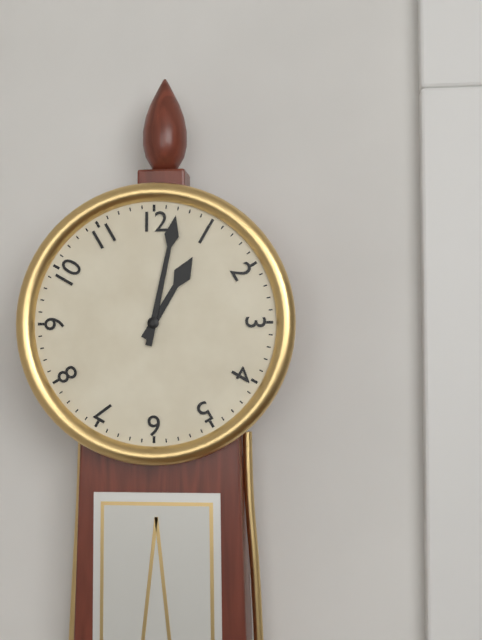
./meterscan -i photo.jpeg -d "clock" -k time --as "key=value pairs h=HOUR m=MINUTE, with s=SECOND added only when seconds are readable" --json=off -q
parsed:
h=1 m=2
